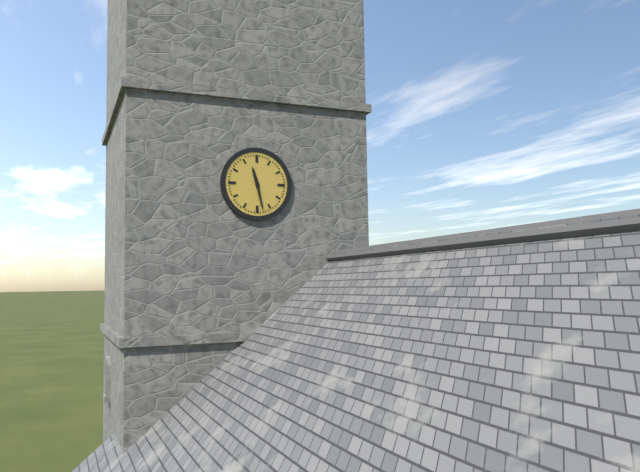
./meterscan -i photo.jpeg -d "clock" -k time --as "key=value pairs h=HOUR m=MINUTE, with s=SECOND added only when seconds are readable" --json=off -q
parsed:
h=11 m=28
